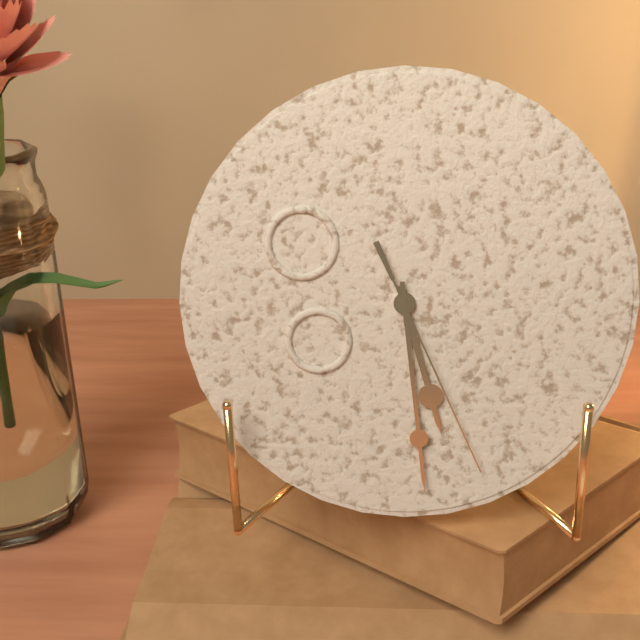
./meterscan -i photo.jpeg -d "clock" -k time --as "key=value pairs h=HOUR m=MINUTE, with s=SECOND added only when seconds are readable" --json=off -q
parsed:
h=5 m=29 s=26
